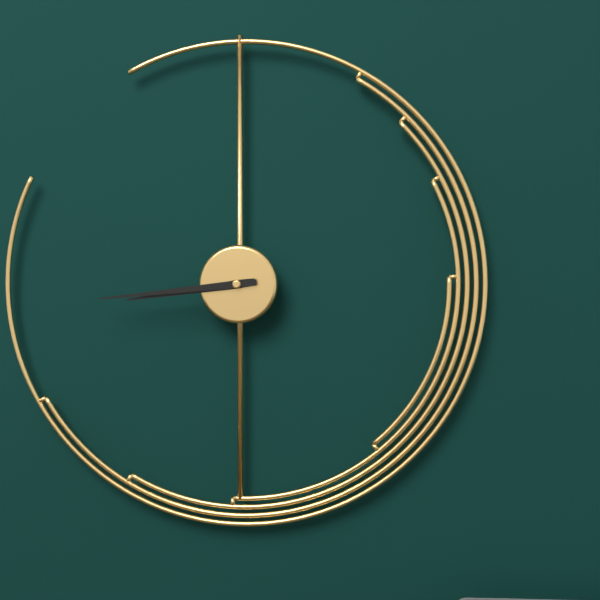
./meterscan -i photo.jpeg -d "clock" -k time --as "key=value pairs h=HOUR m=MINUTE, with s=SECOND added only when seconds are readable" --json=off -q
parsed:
h=8 m=44
